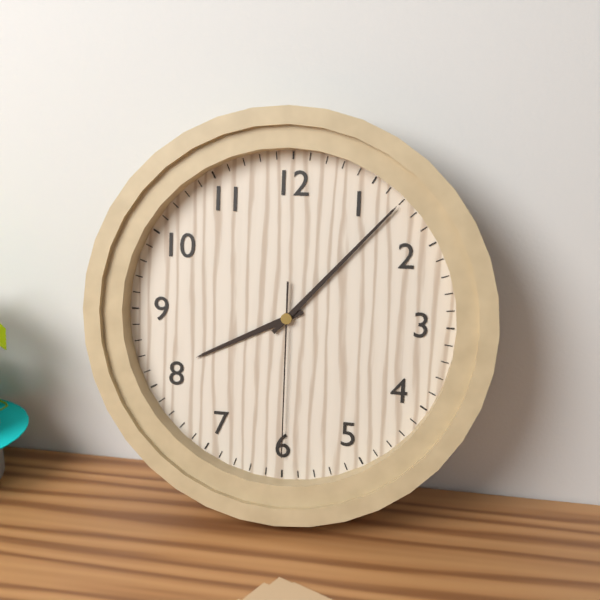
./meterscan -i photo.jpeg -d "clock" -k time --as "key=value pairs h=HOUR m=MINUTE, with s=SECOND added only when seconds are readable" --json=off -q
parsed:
h=8 m=7 s=30
